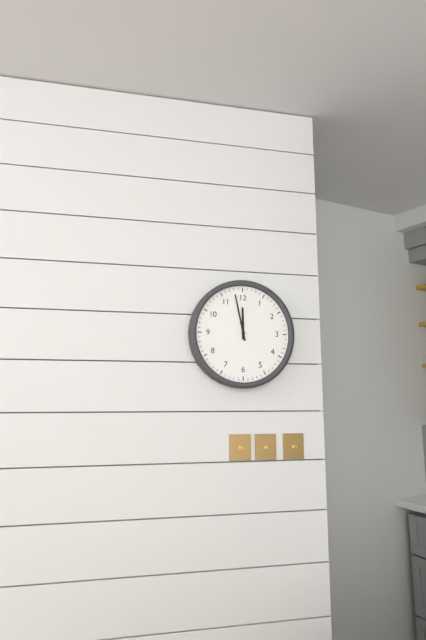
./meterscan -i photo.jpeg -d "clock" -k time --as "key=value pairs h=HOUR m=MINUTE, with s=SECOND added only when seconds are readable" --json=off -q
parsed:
h=11 m=58
